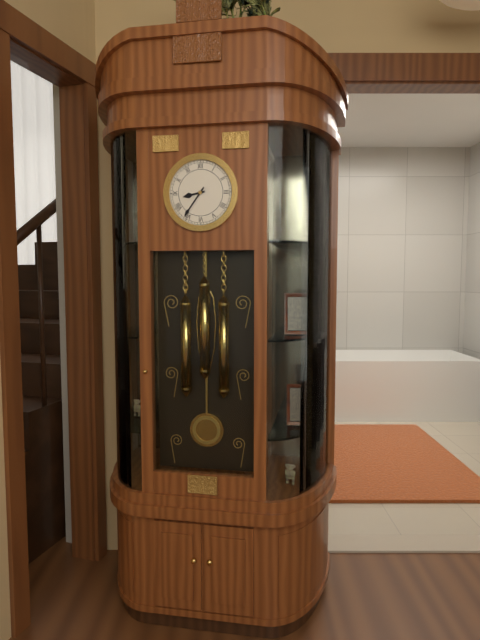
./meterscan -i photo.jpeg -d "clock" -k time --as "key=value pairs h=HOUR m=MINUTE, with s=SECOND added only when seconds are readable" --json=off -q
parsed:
h=8 m=36
